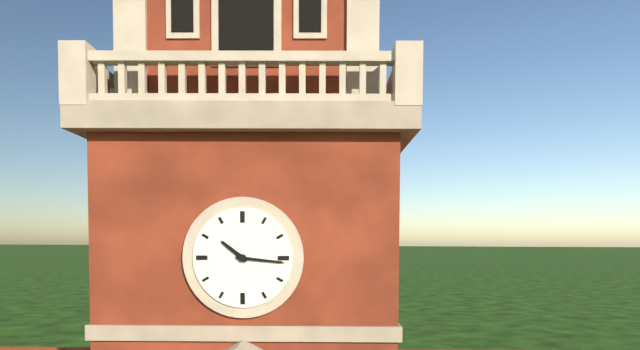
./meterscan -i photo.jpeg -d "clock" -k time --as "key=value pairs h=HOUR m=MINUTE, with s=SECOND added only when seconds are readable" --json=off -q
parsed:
h=10 m=16
